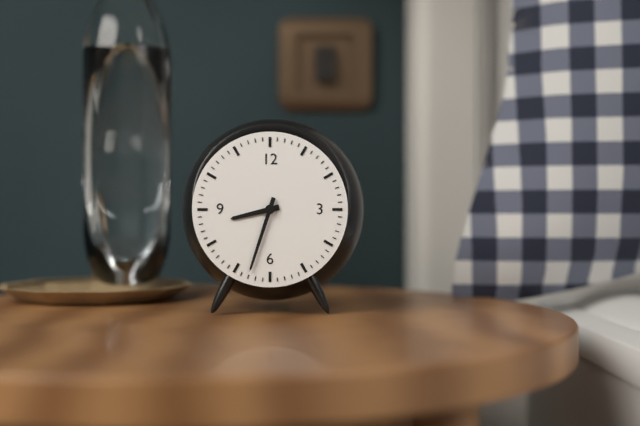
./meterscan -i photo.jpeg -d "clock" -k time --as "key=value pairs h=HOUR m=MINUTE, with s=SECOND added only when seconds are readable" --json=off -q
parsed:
h=8 m=33
